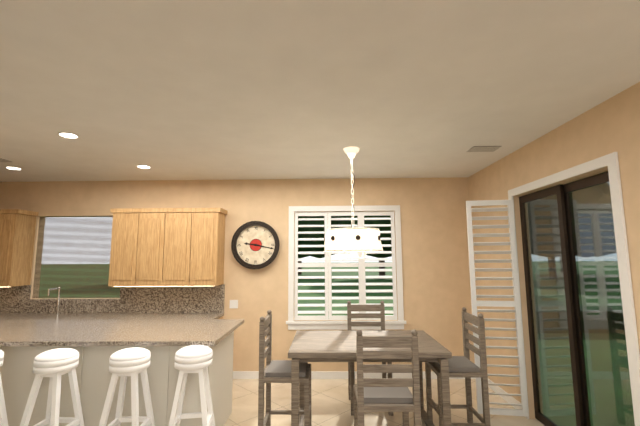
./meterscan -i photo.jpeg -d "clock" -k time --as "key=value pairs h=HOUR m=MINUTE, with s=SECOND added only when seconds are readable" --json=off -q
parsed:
h=9 m=17
